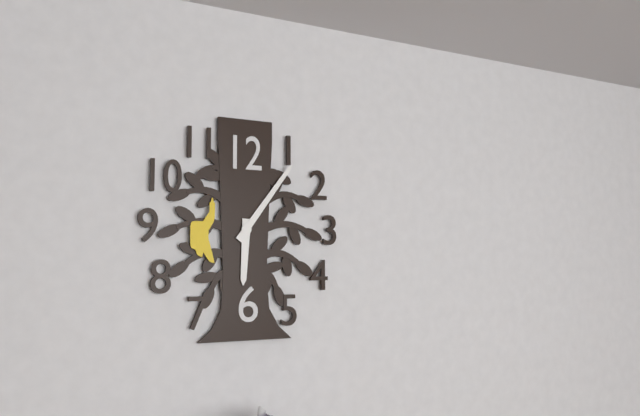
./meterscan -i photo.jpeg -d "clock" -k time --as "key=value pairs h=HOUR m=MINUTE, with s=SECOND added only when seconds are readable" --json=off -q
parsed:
h=6 m=6
